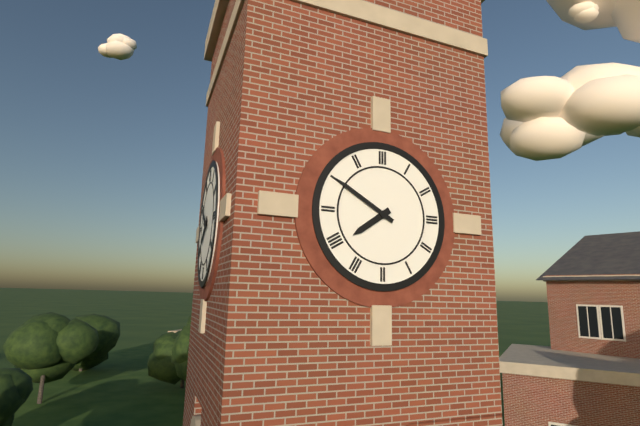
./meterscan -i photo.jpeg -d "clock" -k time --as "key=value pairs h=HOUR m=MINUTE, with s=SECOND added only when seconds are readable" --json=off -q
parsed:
h=7 m=50
